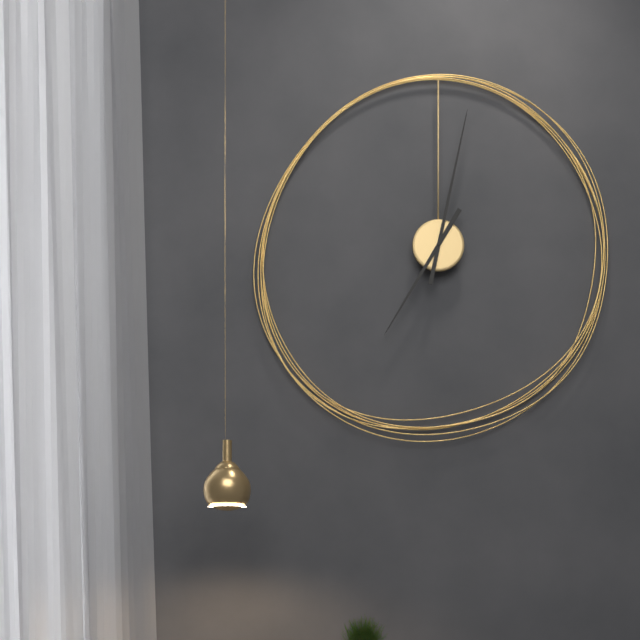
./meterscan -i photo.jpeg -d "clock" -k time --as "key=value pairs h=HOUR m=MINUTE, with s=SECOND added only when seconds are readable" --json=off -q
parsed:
h=7 m=2
